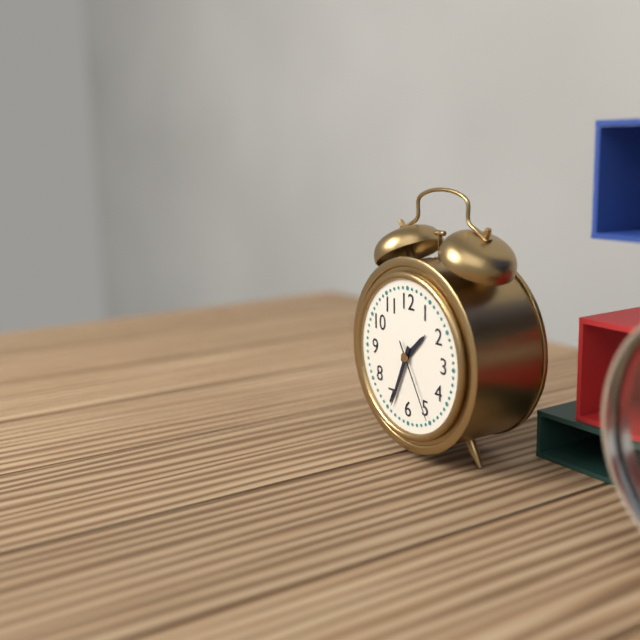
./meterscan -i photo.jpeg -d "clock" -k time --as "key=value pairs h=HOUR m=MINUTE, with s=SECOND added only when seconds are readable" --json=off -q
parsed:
h=1 m=34 s=25
